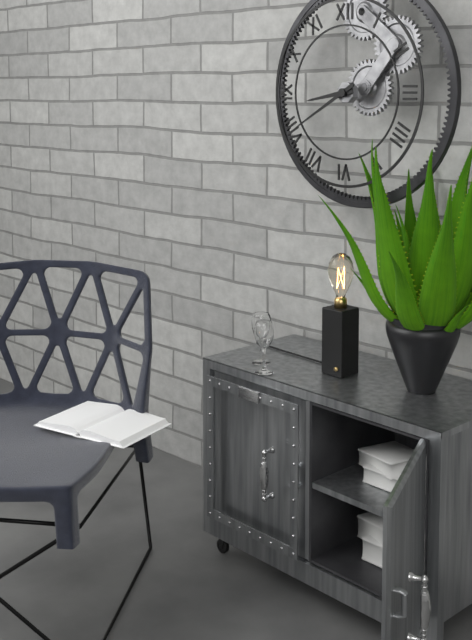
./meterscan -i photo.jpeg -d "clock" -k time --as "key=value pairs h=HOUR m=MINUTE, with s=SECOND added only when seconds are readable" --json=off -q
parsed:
h=8 m=40
